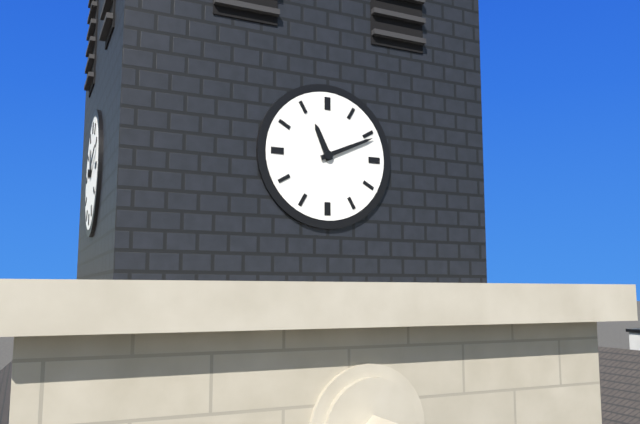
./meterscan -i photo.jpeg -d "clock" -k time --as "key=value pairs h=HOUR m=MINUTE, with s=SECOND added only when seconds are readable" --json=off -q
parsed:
h=11 m=11
